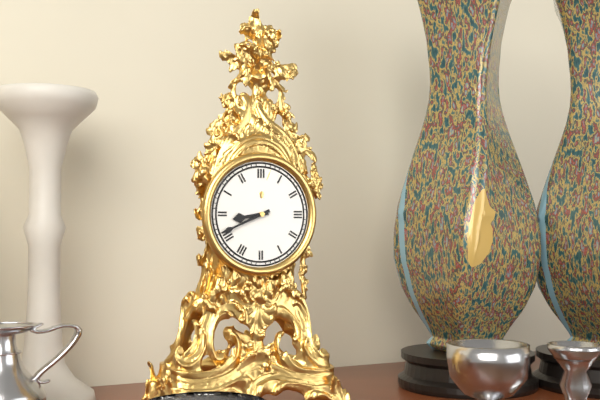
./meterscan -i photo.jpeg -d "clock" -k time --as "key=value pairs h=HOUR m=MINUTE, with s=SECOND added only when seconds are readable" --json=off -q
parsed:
h=8 m=41
